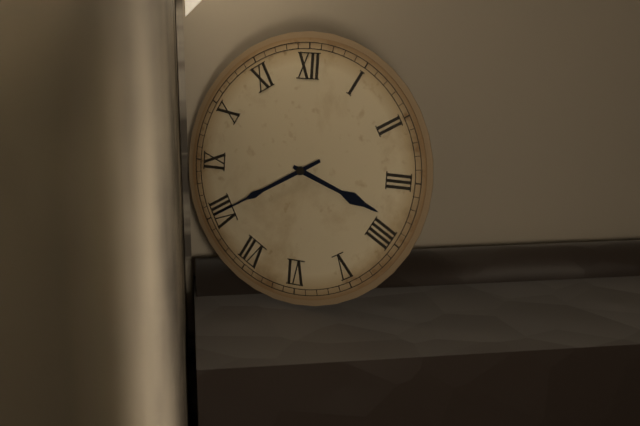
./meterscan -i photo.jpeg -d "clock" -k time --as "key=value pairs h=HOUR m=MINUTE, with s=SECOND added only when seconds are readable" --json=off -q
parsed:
h=3 m=40
